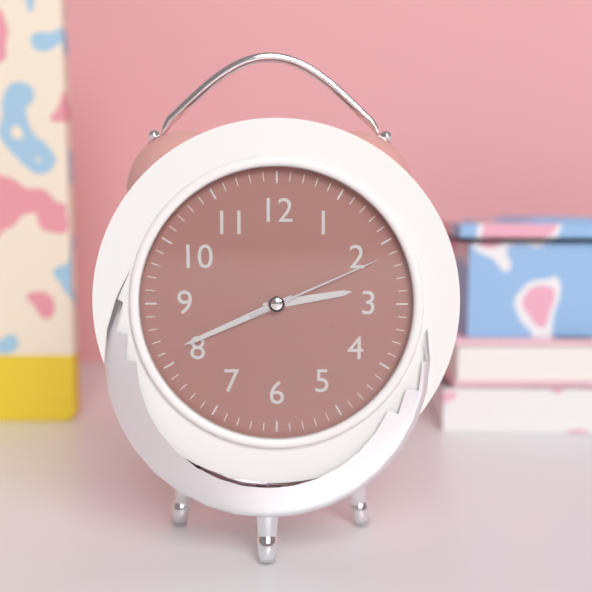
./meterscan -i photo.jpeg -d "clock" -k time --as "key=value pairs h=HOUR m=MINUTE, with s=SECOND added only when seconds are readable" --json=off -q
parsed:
h=2 m=41 s=11
